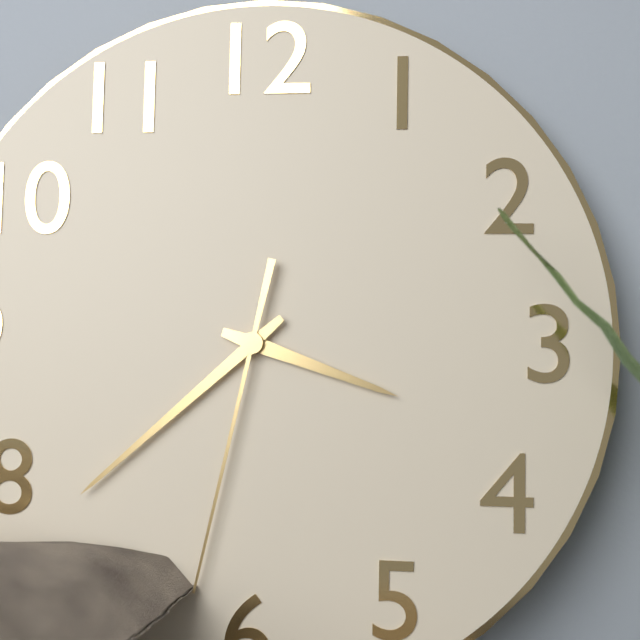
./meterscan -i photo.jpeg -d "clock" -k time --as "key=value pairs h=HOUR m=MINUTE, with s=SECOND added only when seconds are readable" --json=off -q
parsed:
h=3 m=38 s=32
